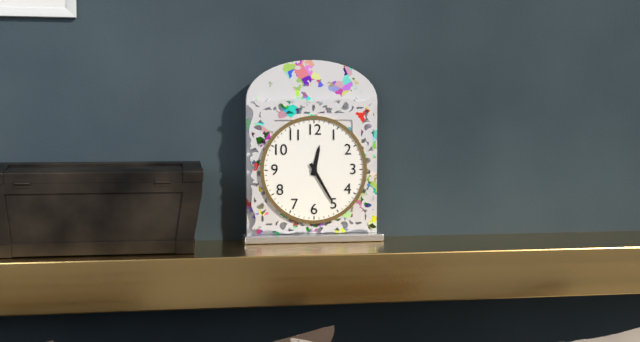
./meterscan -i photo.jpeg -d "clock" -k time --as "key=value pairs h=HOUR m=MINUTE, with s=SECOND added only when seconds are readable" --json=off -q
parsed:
h=12 m=25
